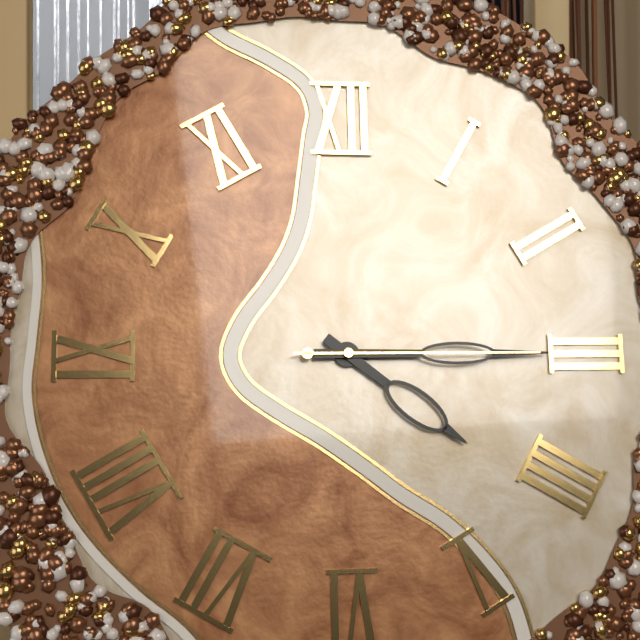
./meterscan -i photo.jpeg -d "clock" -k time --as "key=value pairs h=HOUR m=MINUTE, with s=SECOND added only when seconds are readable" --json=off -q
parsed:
h=4 m=15 s=15
